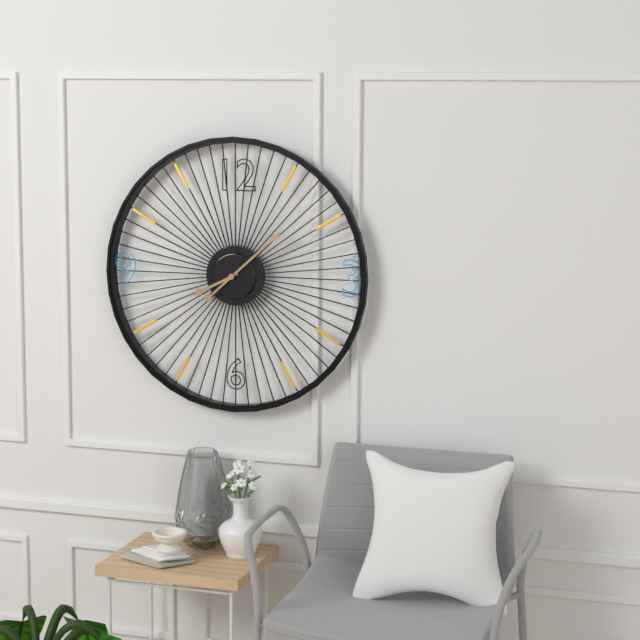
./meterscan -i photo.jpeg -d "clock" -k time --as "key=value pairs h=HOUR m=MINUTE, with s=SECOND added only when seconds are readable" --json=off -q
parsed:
h=8 m=8
